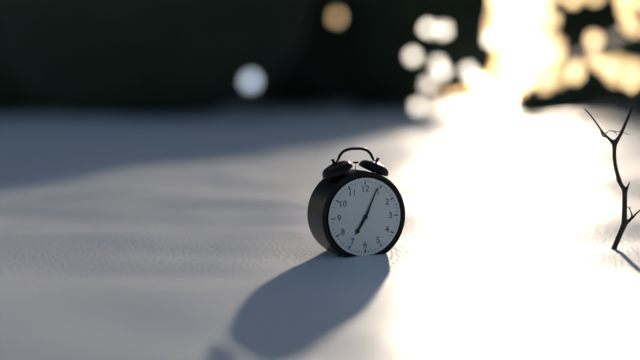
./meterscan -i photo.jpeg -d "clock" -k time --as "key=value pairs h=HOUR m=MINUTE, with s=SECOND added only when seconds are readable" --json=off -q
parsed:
h=7 m=4
